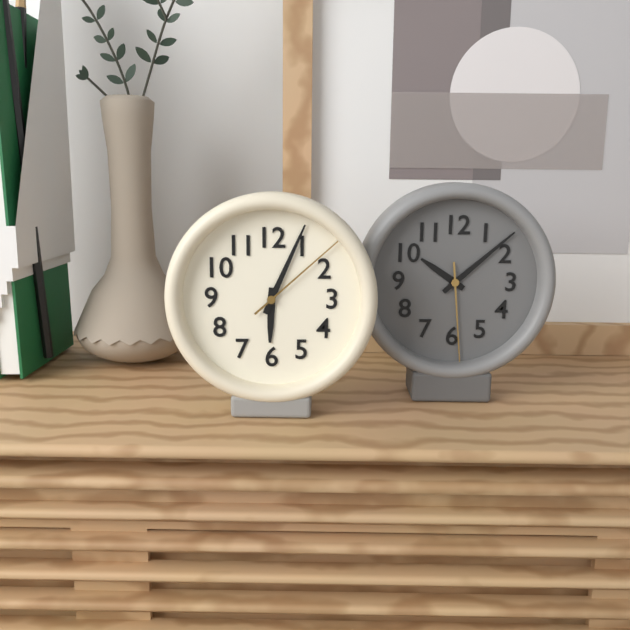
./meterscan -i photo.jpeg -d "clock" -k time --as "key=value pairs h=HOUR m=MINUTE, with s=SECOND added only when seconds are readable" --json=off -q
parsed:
h=6 m=4 s=8
